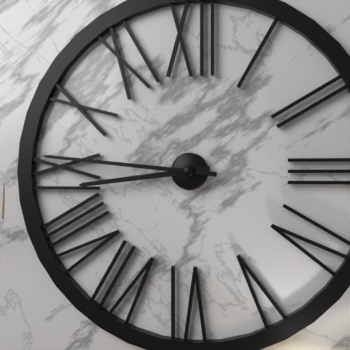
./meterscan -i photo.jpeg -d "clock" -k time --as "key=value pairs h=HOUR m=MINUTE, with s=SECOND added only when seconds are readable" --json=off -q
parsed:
h=8 m=46
